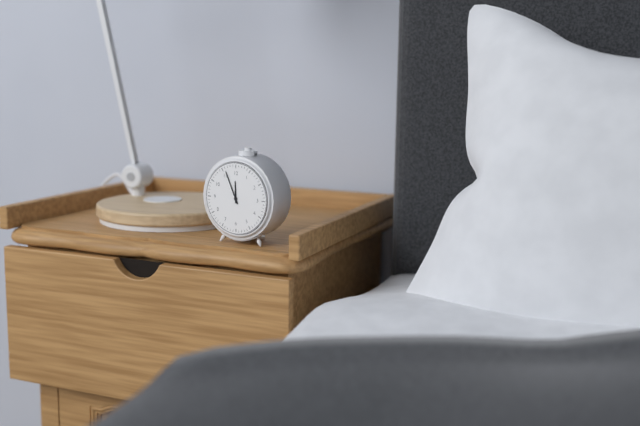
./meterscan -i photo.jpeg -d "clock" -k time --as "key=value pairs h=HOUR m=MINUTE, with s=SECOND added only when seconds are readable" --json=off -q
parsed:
h=11 m=56
